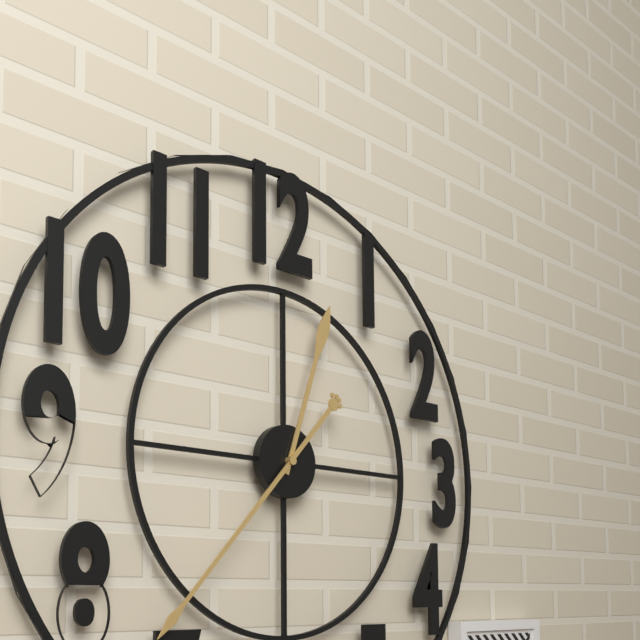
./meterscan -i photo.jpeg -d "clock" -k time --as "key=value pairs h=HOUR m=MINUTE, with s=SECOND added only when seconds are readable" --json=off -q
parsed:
h=12 m=37
